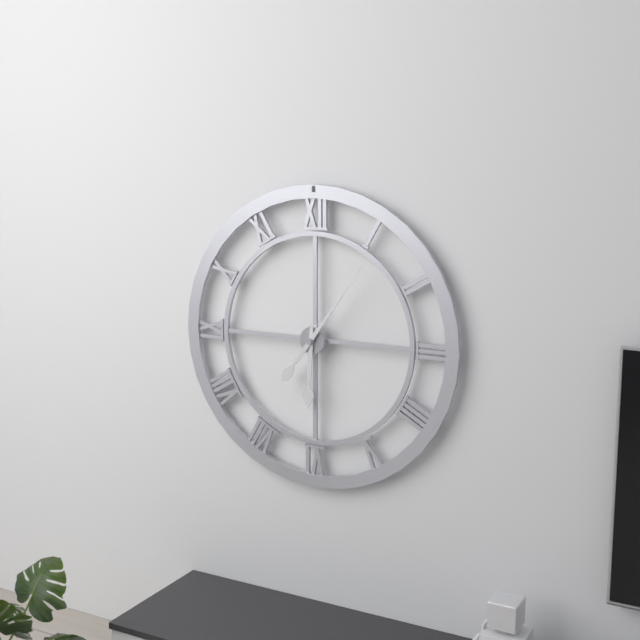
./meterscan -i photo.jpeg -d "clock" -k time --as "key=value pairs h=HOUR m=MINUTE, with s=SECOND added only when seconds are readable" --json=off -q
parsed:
h=6 m=6
